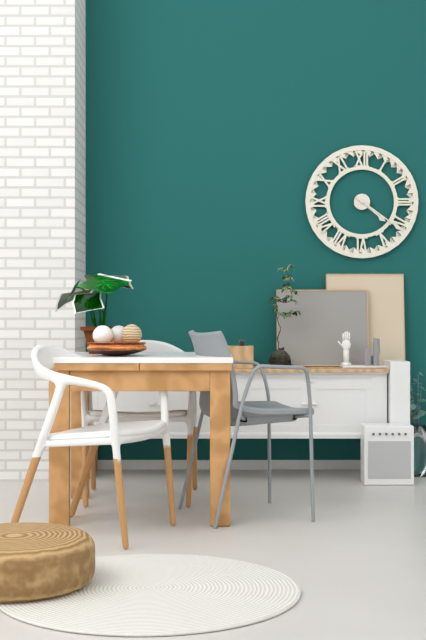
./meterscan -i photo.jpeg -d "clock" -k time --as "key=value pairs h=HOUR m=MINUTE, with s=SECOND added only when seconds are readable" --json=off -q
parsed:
h=4 m=21
